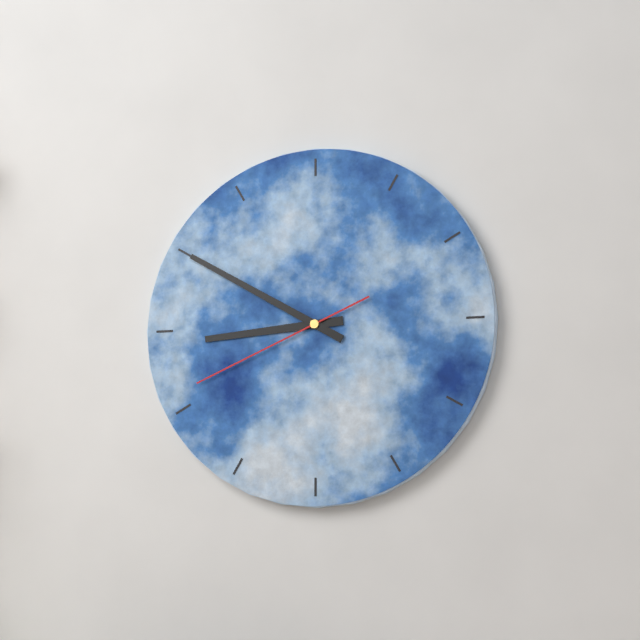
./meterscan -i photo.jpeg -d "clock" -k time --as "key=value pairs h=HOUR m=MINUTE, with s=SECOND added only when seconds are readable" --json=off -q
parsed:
h=8 m=50 s=41
